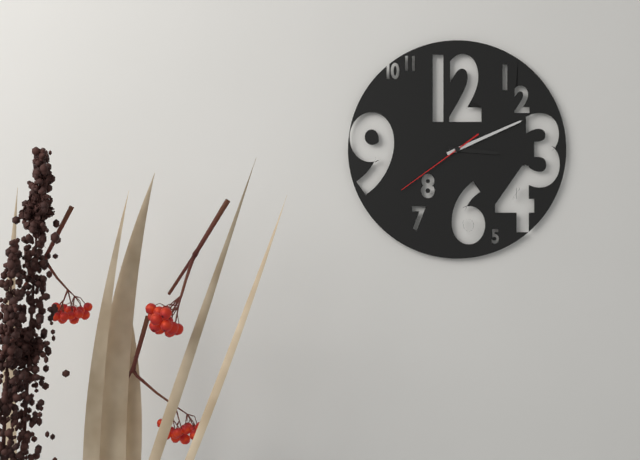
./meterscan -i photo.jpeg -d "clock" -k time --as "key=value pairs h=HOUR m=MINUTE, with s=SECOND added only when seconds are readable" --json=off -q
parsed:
h=3 m=11 s=39
